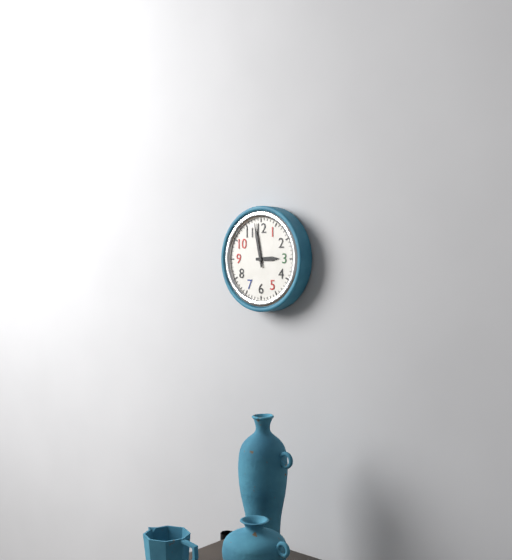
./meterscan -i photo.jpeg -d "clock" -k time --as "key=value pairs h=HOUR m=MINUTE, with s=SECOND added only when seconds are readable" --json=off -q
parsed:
h=2 m=58
